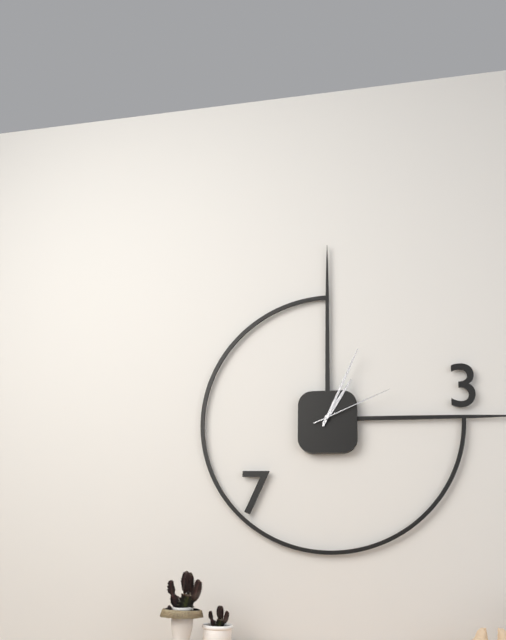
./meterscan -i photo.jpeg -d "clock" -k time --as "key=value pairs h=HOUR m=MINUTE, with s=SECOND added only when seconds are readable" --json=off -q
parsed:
h=1 m=4 s=11
